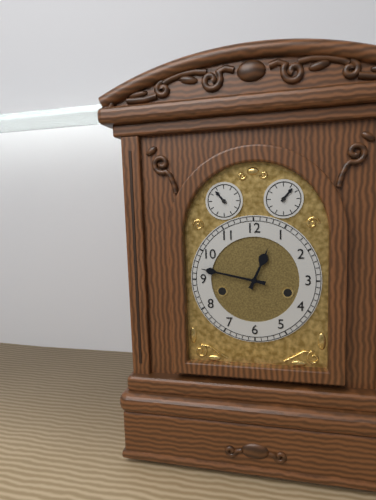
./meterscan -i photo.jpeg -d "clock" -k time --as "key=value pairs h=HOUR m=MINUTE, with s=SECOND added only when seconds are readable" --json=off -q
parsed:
h=12 m=47
